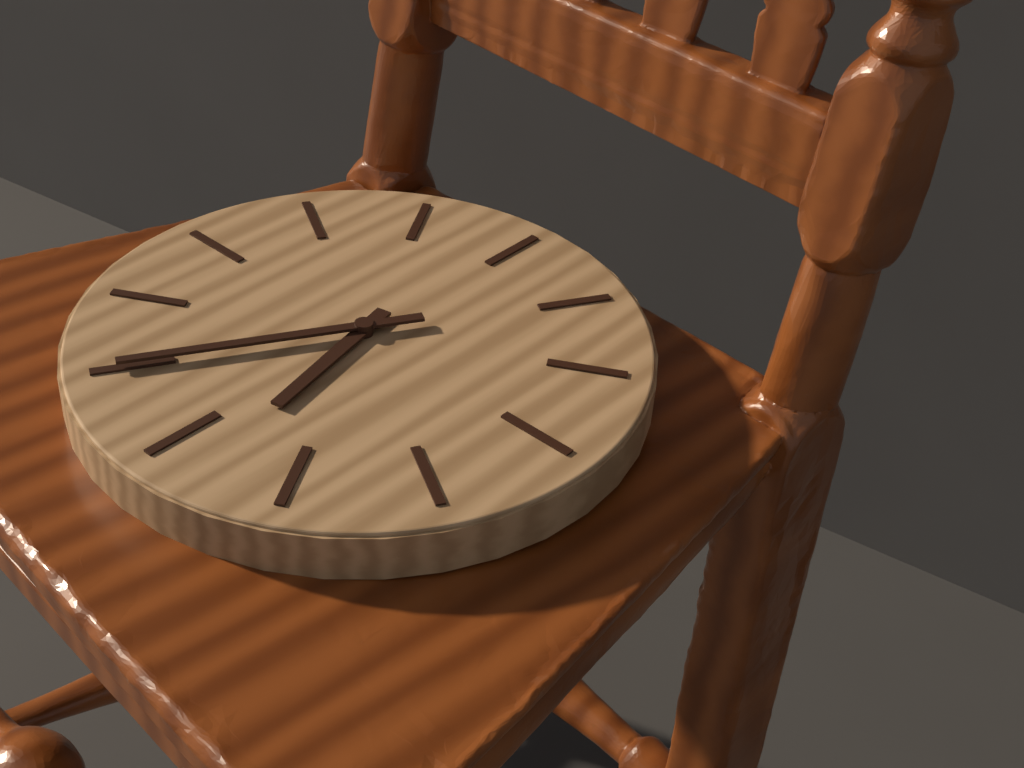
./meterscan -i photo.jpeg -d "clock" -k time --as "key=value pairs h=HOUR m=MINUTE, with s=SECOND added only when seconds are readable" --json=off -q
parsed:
h=5 m=35
